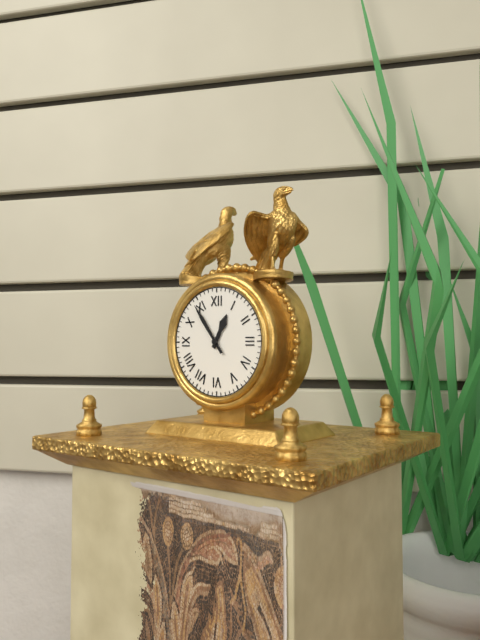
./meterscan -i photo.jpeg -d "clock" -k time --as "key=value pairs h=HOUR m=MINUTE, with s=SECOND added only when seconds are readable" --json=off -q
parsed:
h=12 m=54
